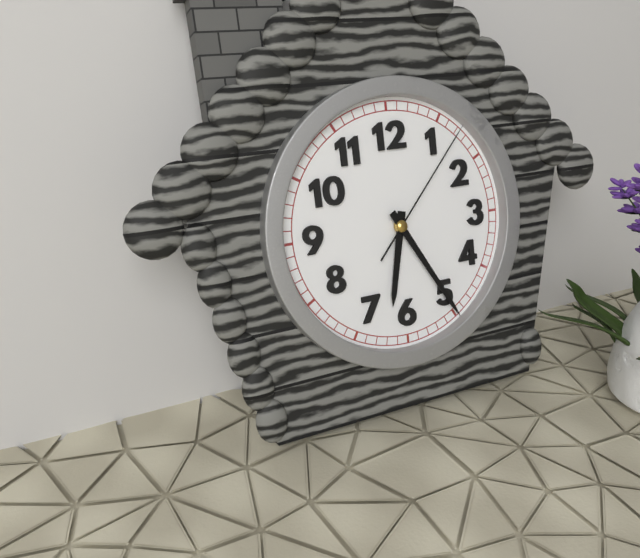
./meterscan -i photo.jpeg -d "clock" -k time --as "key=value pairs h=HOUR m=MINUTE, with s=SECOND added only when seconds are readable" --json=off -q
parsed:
h=6 m=25 s=7
